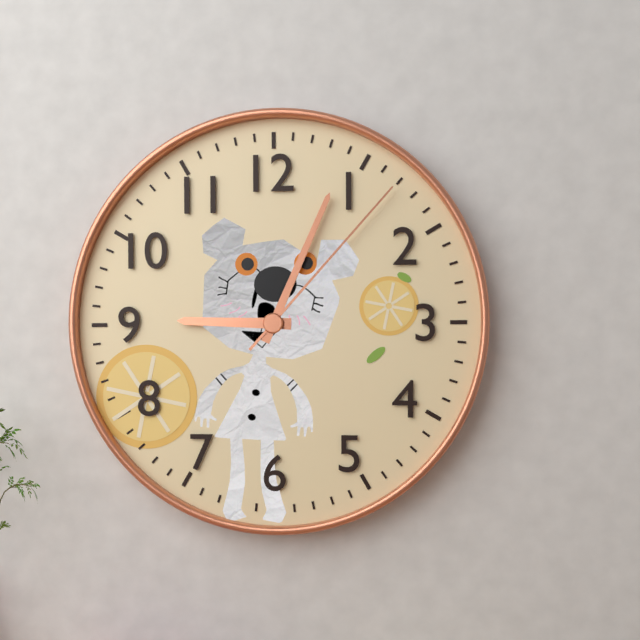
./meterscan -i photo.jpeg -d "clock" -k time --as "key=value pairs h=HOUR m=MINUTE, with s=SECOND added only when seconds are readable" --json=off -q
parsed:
h=9 m=4 s=7
